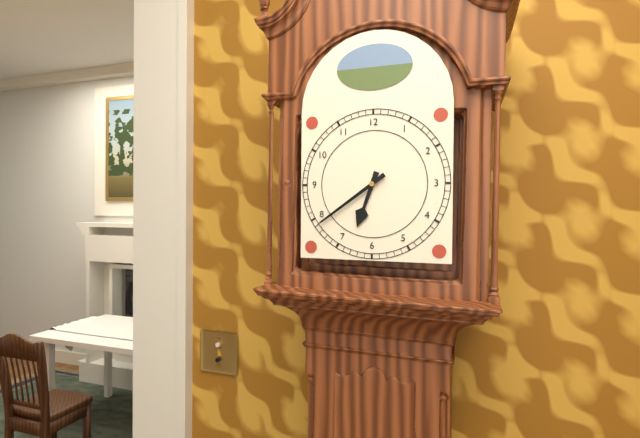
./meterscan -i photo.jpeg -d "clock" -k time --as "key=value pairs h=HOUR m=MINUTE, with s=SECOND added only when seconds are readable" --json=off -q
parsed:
h=6 m=39
